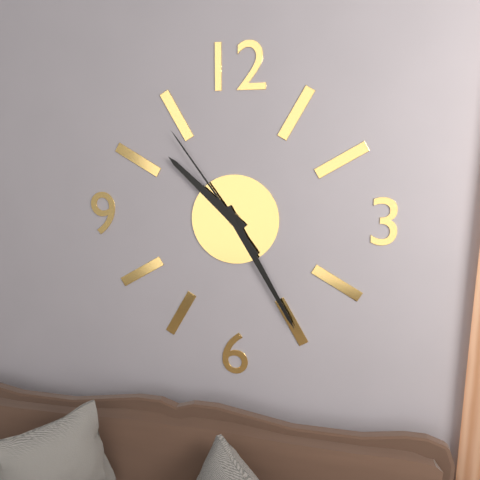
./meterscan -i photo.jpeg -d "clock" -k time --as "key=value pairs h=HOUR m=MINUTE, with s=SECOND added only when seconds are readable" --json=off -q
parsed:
h=10 m=25 s=54
